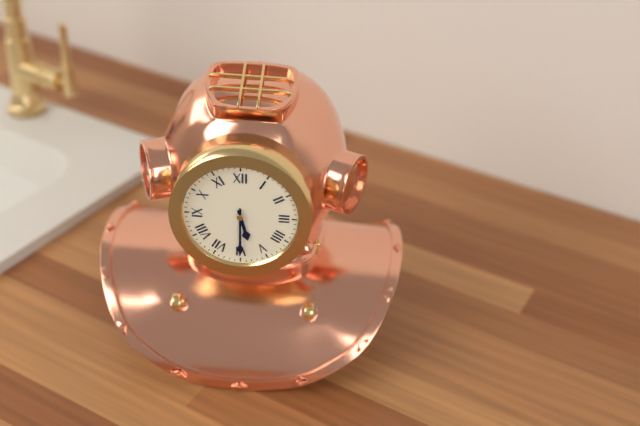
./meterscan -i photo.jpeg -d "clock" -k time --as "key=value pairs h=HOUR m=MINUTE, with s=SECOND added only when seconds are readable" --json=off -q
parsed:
h=5 m=30
